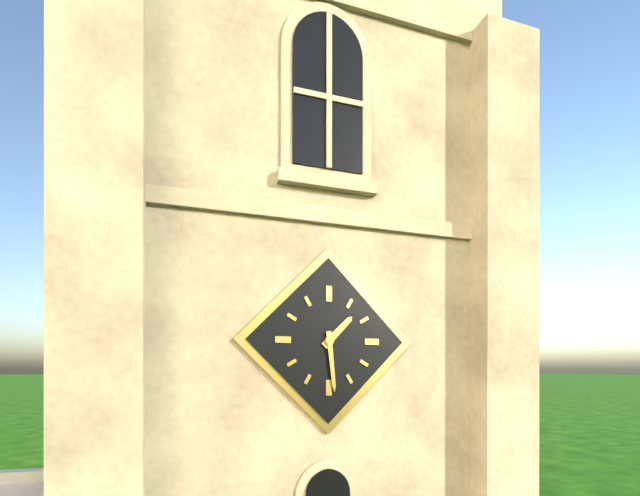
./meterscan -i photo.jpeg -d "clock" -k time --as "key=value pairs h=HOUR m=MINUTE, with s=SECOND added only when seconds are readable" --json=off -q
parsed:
h=1 m=29
